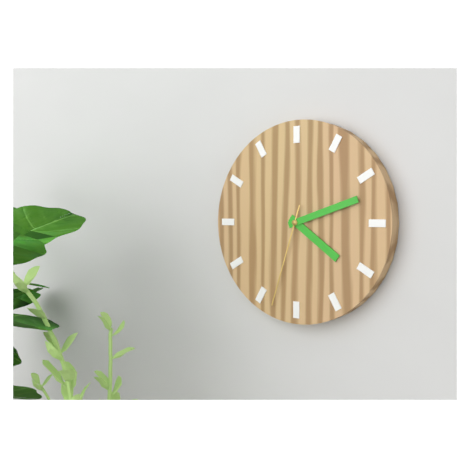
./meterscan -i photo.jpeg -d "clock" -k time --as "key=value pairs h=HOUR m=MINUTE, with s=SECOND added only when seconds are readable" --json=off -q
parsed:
h=4 m=12 s=33
